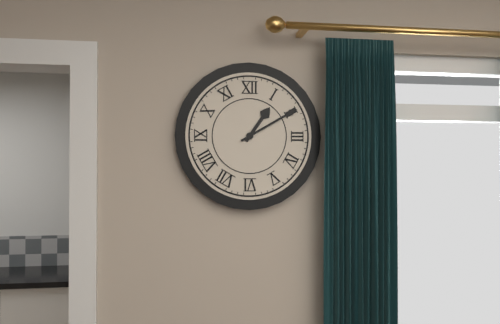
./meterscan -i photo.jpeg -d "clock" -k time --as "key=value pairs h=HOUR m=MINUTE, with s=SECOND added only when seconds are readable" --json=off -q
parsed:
h=1 m=10
